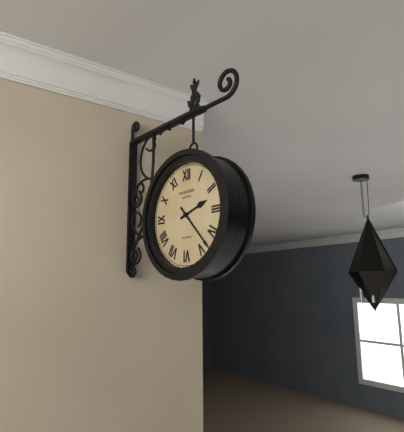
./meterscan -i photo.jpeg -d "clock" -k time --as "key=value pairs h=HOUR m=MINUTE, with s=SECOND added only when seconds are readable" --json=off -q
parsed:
h=2 m=23
